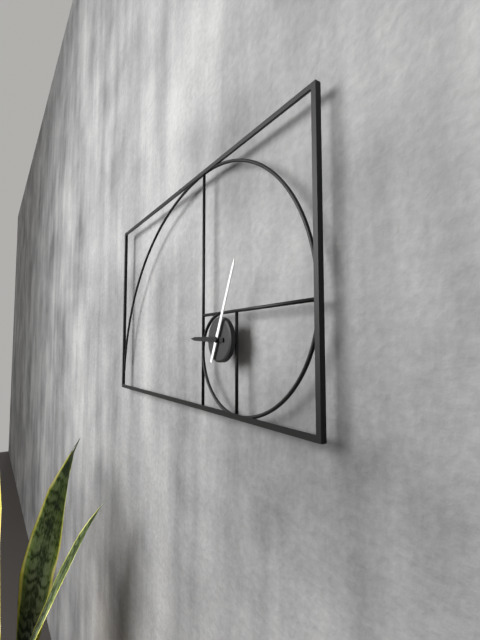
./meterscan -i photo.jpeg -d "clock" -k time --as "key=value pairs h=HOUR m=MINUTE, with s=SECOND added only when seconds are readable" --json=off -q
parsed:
h=9 m=4
